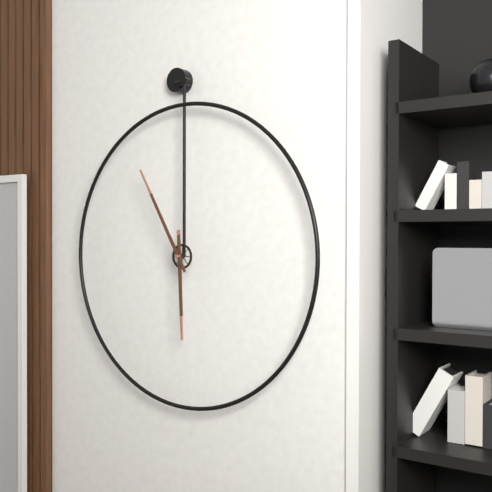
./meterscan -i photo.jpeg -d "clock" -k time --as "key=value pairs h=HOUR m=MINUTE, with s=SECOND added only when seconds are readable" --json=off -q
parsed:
h=5 m=55
